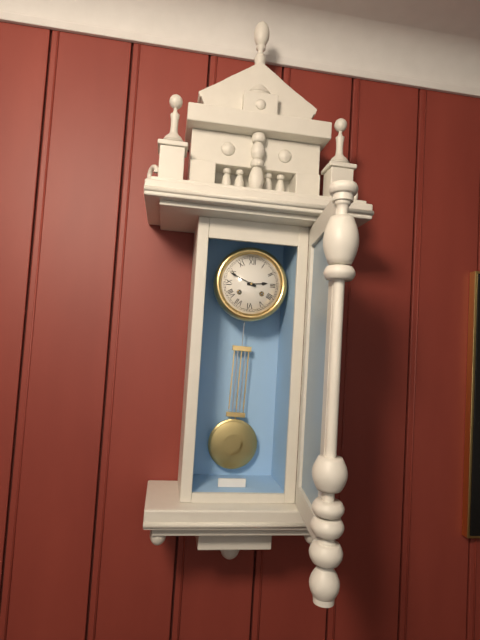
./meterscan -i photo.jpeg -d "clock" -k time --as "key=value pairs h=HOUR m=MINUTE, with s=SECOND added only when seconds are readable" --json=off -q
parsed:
h=2 m=49
